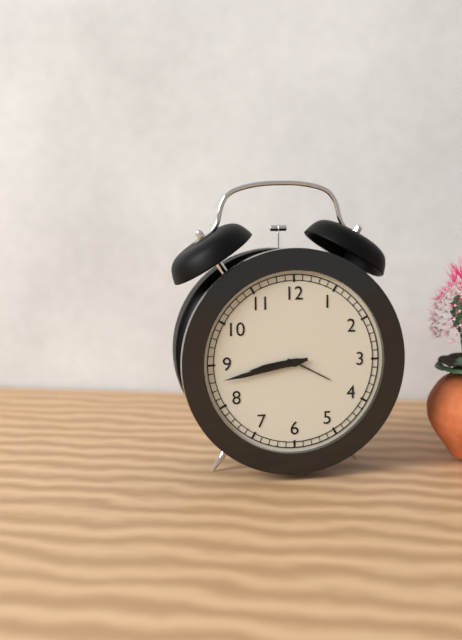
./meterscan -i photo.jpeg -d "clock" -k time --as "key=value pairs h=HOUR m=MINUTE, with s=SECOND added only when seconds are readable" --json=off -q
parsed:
h=8 m=43
